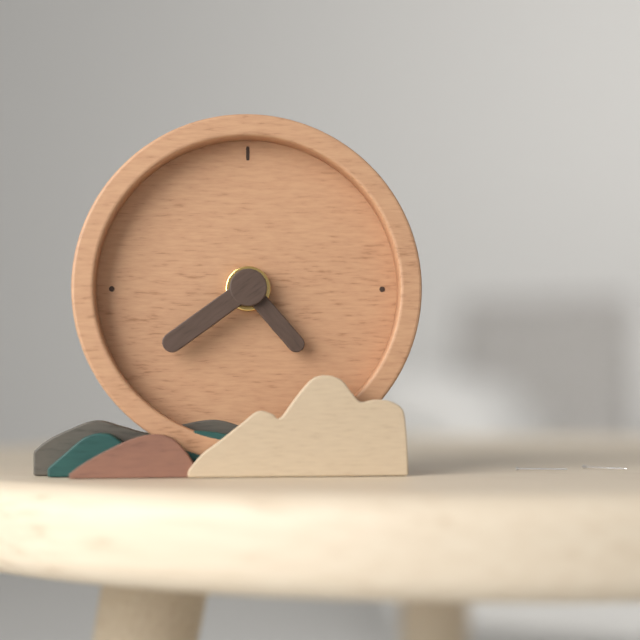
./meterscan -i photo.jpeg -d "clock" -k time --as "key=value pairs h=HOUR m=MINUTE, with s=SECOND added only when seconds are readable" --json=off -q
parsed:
h=4 m=39
